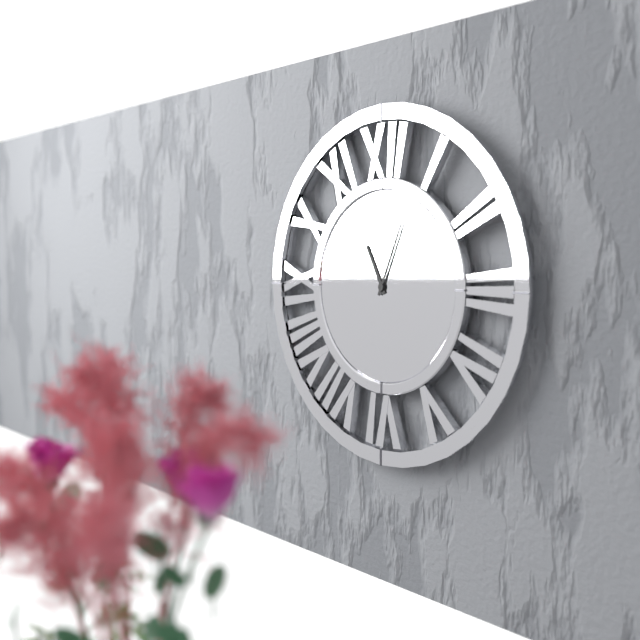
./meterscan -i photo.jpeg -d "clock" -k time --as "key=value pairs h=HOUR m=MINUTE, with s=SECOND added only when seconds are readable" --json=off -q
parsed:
h=11 m=4
